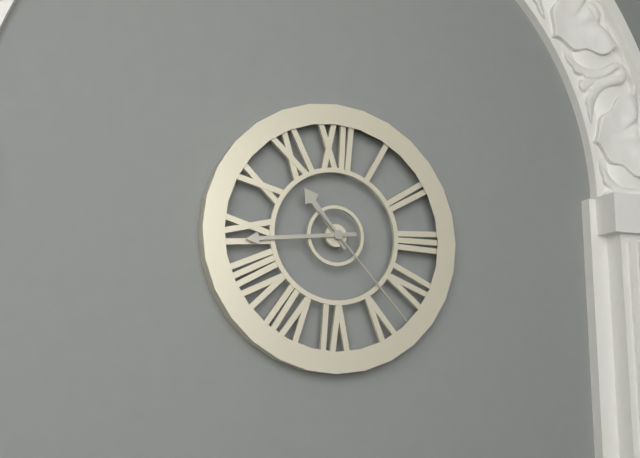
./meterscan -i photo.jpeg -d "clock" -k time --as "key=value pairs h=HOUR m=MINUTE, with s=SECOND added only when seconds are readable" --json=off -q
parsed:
h=10 m=44 s=23
